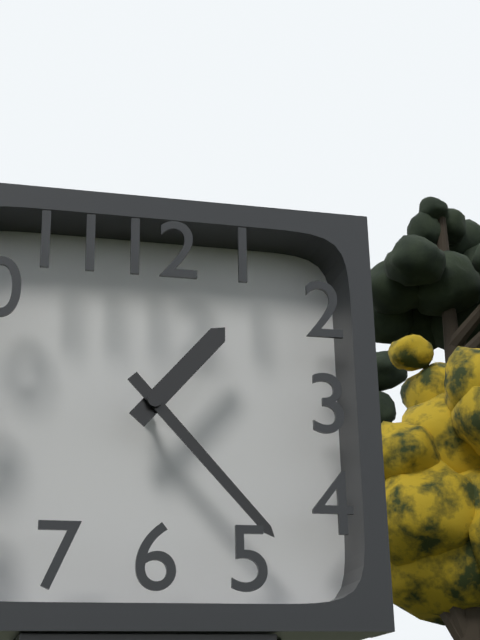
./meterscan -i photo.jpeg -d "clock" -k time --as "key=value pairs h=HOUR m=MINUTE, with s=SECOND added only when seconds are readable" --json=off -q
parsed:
h=1 m=23
